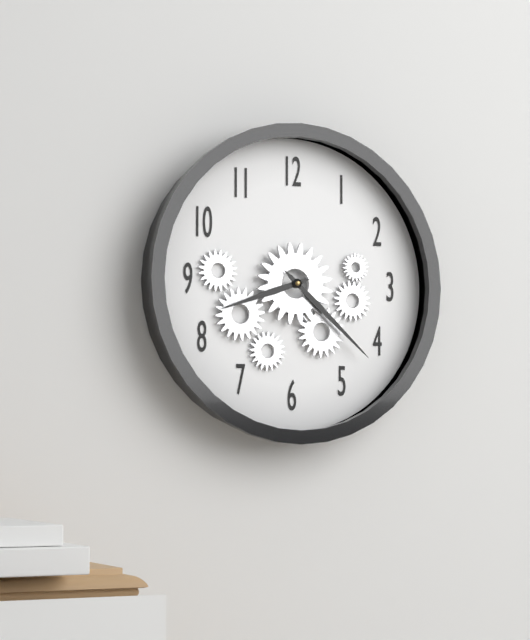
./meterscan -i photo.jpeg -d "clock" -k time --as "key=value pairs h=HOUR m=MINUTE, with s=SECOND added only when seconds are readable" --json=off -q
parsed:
h=8 m=22
